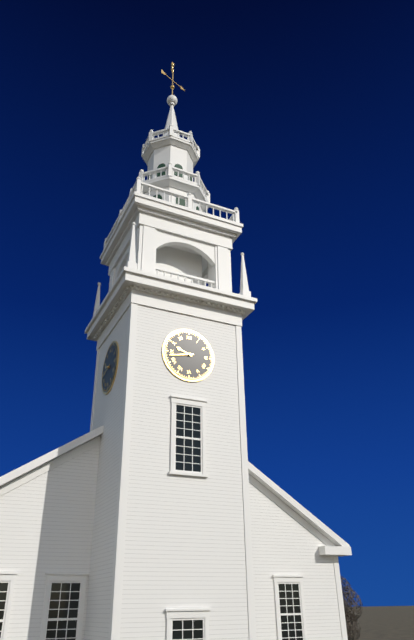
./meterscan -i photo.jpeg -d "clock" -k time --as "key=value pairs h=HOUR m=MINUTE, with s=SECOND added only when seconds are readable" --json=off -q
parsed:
h=9 m=43
